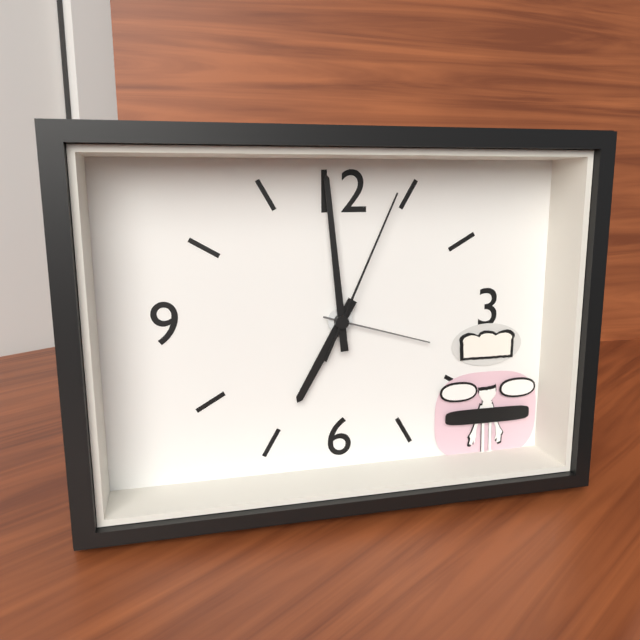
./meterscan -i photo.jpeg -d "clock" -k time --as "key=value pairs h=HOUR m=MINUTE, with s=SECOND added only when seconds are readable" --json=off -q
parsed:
h=6 m=59 s=4
